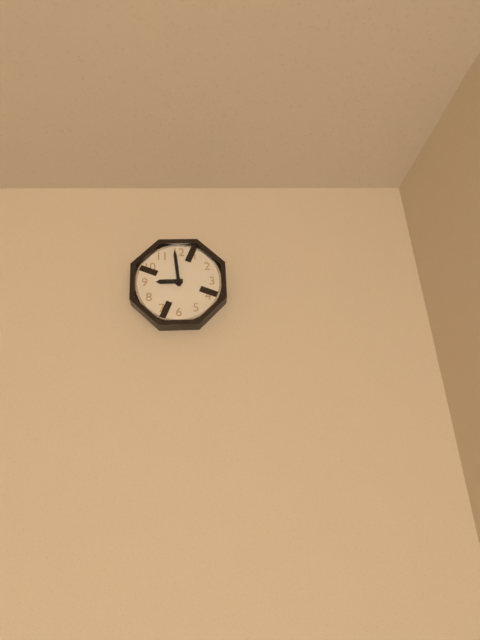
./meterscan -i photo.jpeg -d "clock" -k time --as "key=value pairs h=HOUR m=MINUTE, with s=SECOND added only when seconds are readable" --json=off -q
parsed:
h=8 m=59
